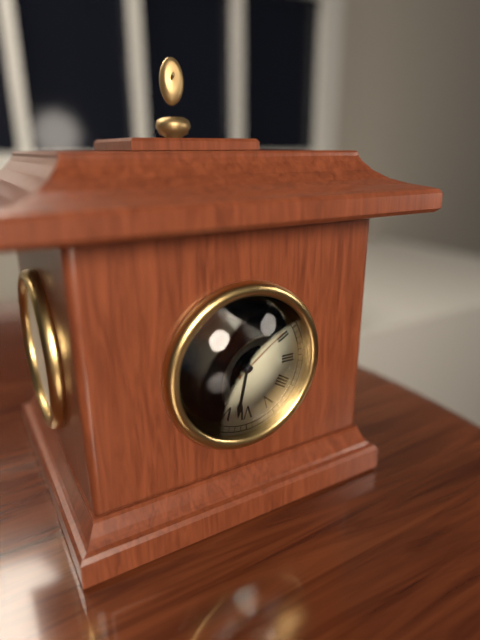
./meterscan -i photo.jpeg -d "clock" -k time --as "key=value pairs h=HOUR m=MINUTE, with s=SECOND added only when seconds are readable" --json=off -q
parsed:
h=9 m=32 s=9
